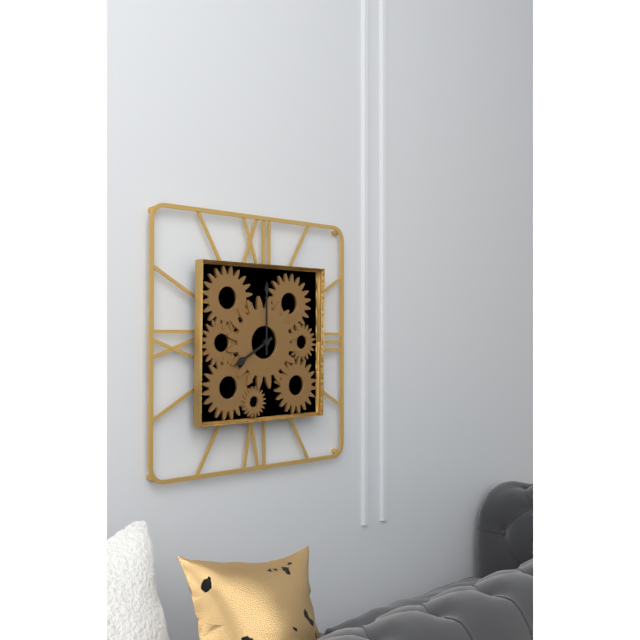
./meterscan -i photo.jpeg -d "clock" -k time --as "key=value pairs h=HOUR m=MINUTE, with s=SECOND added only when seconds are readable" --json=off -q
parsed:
h=8 m=0
